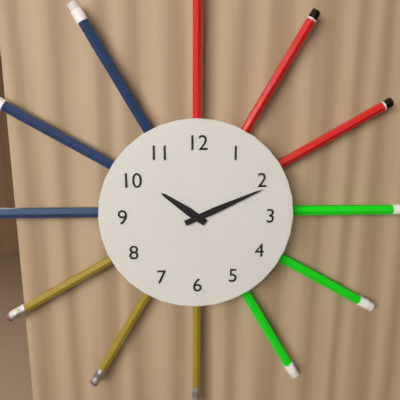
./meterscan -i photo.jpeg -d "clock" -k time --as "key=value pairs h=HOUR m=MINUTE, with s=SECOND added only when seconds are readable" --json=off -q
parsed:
h=10 m=11
